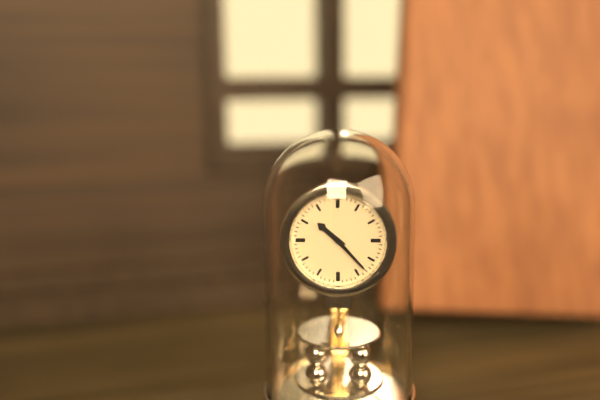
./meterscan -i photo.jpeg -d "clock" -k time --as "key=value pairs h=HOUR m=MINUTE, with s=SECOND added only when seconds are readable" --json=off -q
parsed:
h=10 m=23
